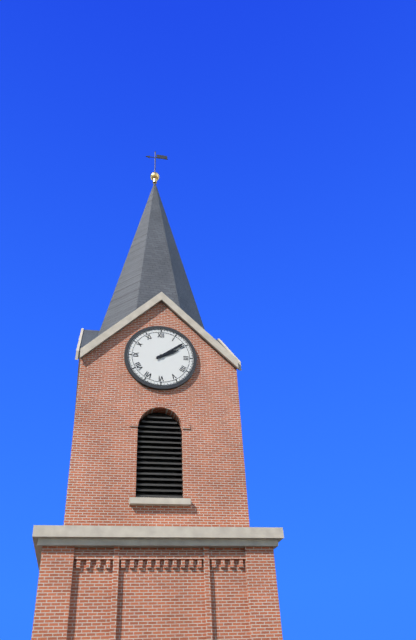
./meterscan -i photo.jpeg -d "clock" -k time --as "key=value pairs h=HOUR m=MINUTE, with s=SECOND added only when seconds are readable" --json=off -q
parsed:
h=2 m=9
